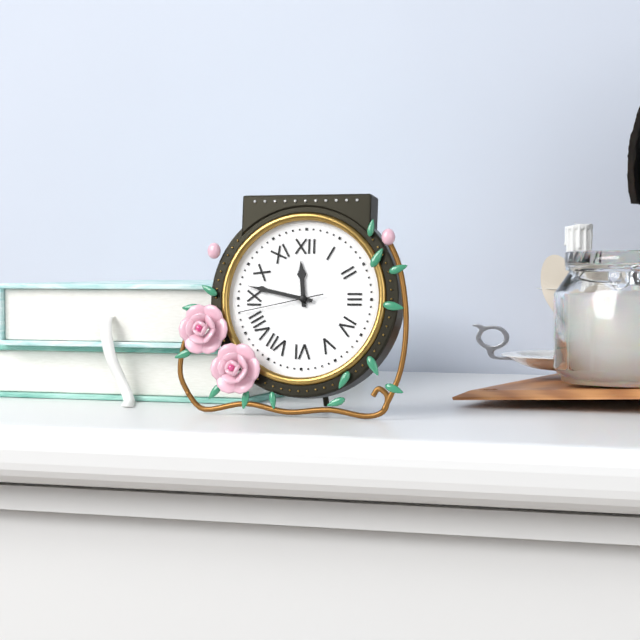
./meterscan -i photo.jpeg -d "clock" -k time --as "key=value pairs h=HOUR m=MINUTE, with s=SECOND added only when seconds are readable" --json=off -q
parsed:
h=11 m=47 s=43
